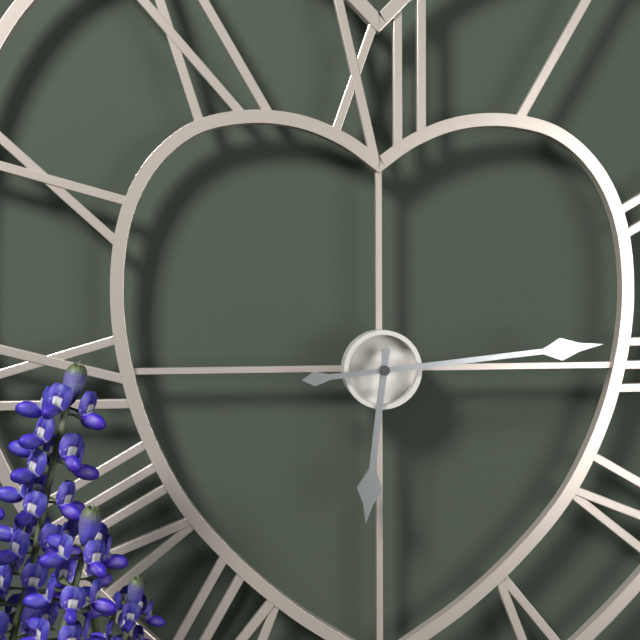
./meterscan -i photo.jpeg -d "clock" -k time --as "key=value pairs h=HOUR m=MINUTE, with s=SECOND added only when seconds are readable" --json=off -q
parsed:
h=6 m=14
